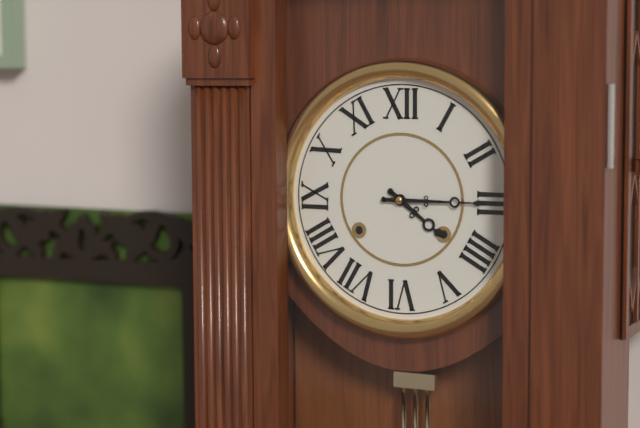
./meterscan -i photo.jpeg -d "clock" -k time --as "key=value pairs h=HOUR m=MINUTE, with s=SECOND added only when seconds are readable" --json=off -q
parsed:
h=4 m=15
